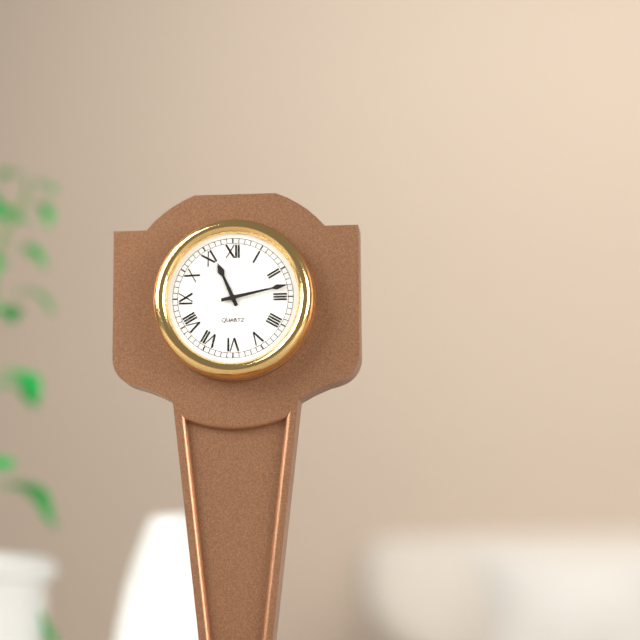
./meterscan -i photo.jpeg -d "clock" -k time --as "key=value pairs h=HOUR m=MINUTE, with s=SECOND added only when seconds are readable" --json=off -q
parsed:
h=11 m=13
